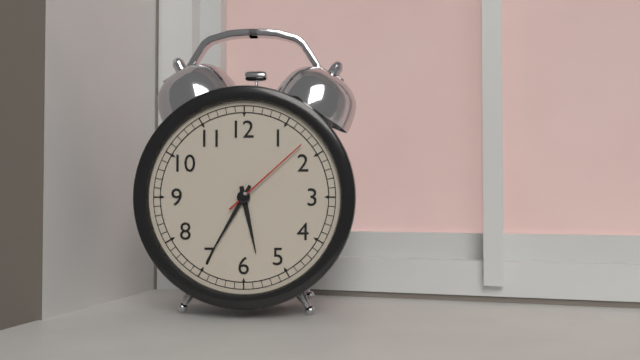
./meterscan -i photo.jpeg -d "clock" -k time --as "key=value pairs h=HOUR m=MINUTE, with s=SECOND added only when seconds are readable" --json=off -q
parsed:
h=5 m=35 s=8
